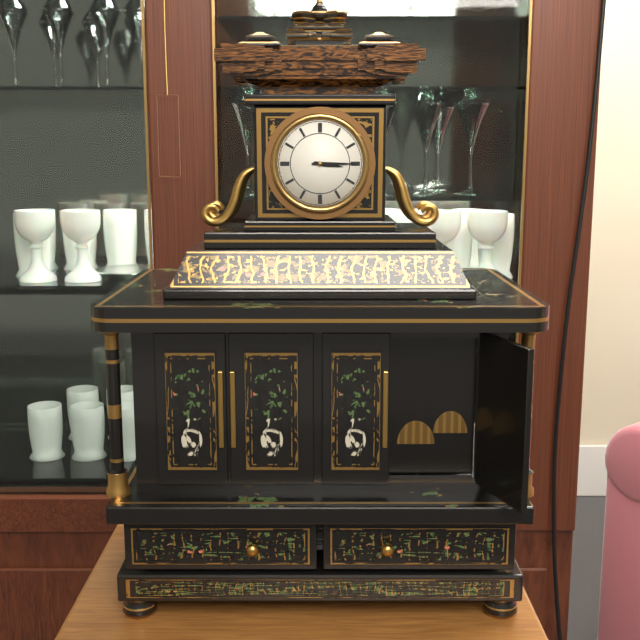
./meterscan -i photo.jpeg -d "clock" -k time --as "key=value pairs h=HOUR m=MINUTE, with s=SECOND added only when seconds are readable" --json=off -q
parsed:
h=3 m=15
